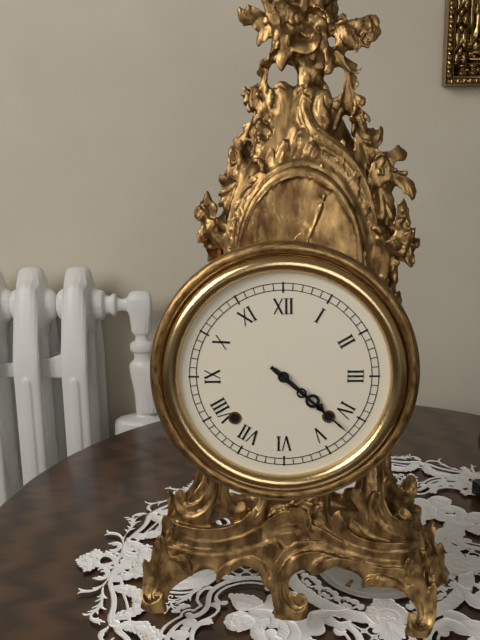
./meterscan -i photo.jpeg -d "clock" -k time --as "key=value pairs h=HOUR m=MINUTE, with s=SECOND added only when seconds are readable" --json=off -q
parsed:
h=4 m=22
